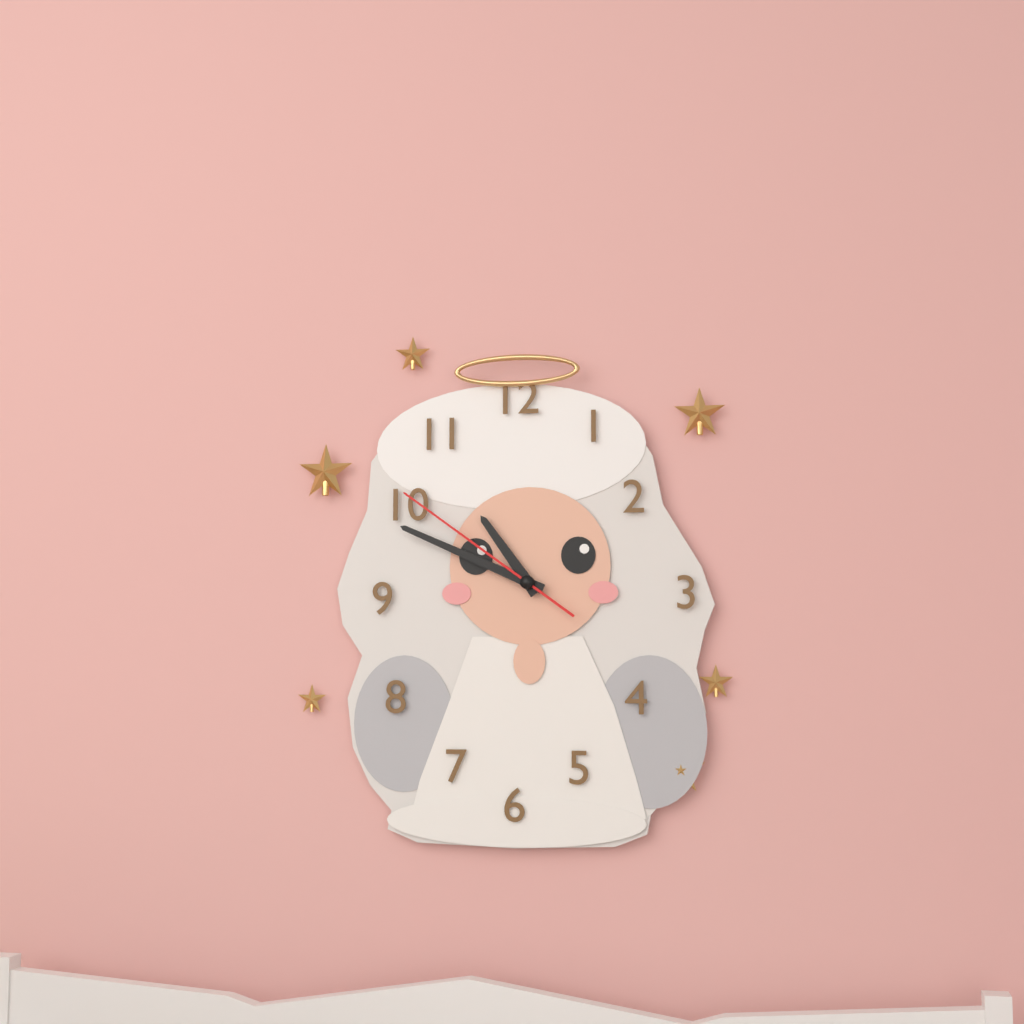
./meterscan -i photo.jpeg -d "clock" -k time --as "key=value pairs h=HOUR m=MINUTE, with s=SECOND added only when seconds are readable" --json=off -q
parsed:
h=10 m=49 s=51
